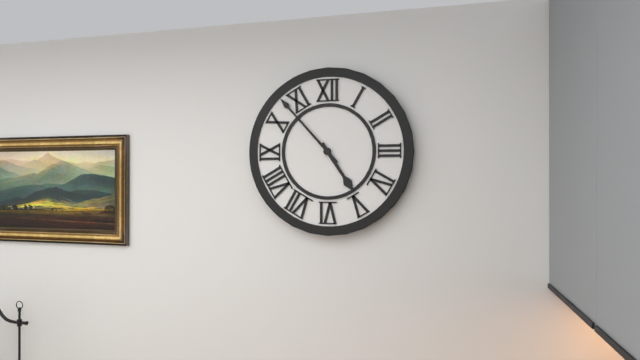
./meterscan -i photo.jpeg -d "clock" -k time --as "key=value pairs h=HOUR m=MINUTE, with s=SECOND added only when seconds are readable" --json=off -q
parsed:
h=4 m=53
